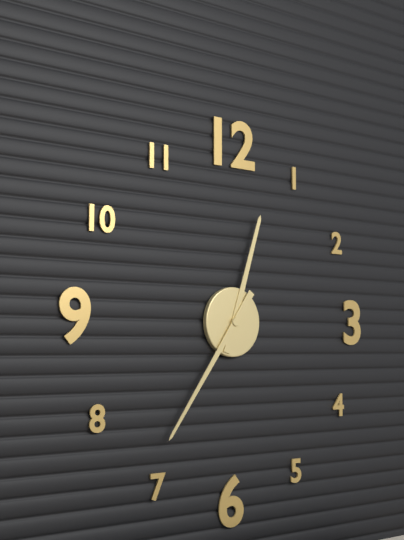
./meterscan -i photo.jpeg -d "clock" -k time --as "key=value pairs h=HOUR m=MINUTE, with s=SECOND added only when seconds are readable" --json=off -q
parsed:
h=12 m=36
